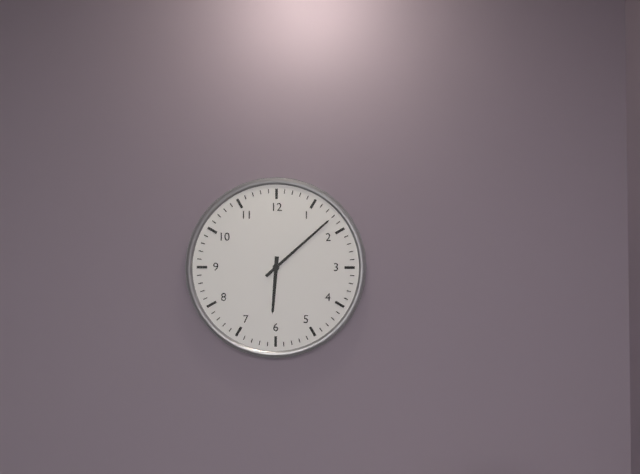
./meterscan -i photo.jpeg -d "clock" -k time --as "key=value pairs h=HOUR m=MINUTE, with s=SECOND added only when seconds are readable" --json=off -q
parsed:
h=6 m=8
